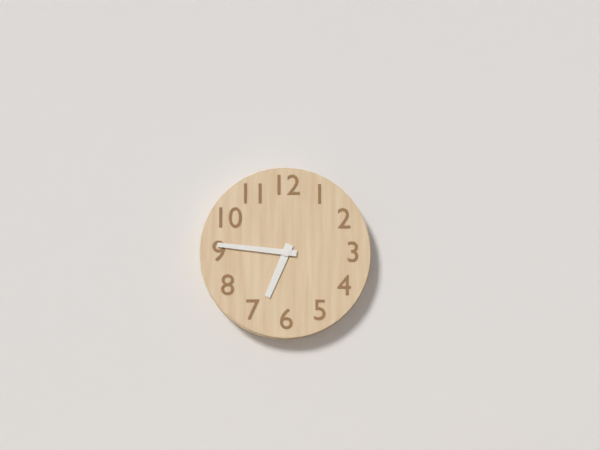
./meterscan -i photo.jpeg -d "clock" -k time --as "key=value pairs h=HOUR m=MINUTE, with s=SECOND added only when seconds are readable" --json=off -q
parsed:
h=6 m=46
